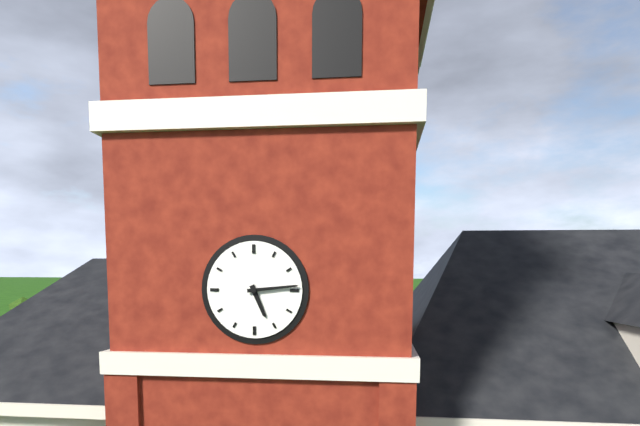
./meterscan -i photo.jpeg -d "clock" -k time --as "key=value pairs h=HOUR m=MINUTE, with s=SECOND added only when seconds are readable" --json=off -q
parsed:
h=5 m=14
